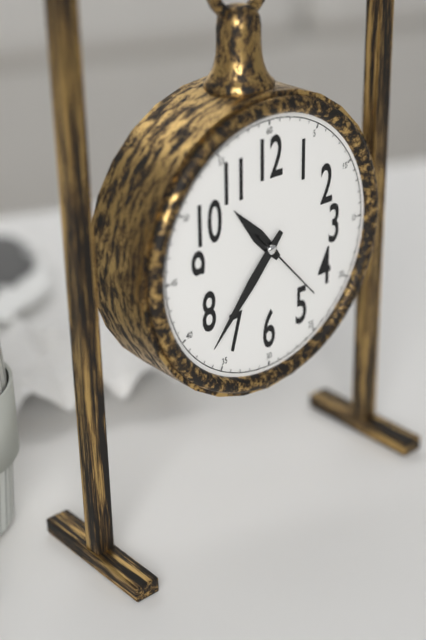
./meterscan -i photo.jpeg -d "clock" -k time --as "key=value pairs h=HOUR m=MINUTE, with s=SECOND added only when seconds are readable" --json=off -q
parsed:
h=10 m=37 s=23
